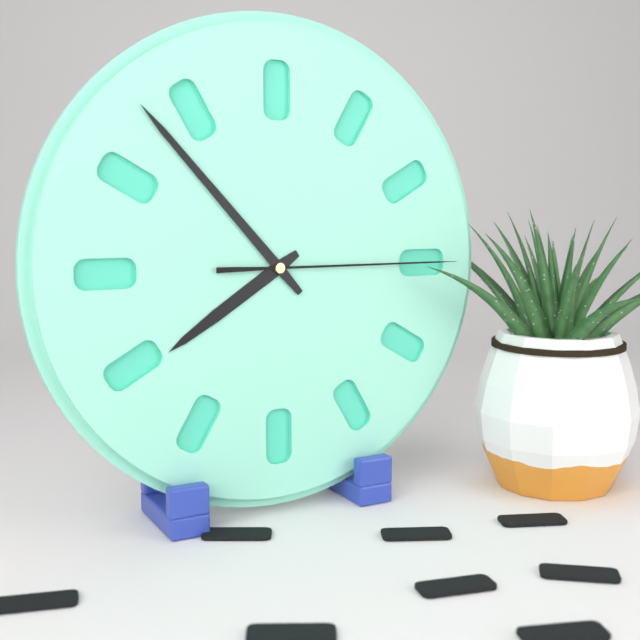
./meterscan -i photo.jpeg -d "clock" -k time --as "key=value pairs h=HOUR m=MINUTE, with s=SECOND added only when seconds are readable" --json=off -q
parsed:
h=7 m=53 s=15
